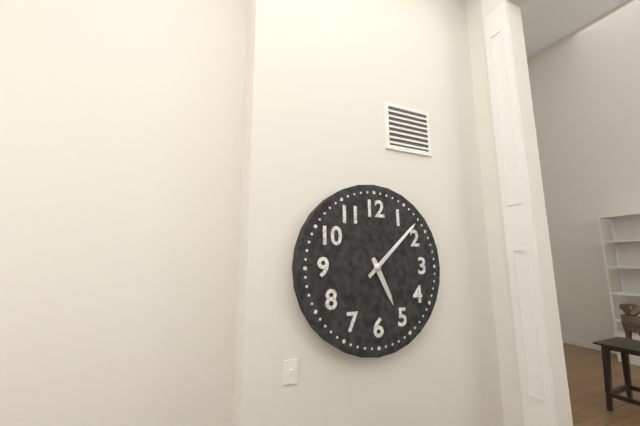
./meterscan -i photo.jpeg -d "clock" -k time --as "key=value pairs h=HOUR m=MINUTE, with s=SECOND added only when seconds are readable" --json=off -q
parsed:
h=5 m=8
